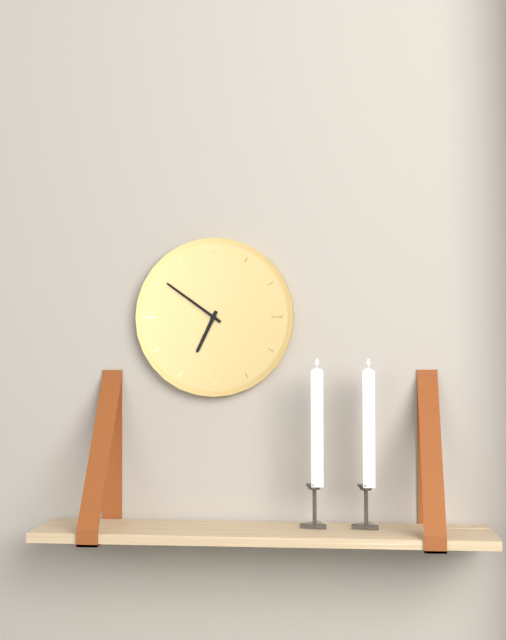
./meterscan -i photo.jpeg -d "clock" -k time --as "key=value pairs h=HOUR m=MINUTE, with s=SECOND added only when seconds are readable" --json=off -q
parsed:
h=6 m=51
